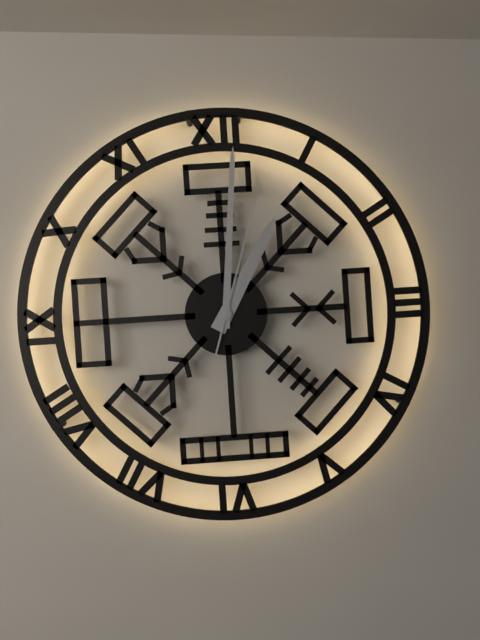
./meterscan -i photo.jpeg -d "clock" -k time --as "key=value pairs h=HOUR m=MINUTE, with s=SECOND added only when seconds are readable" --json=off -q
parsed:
h=1 m=1 s=3
